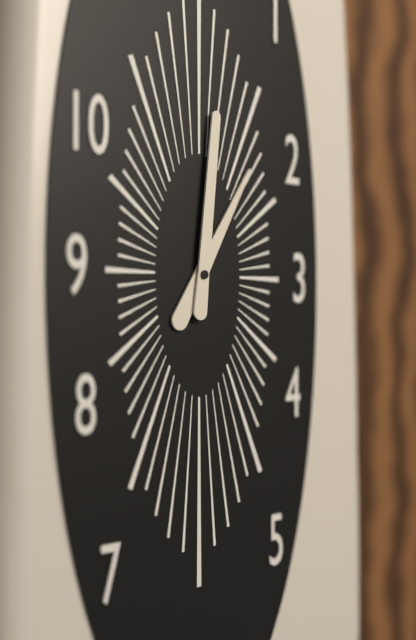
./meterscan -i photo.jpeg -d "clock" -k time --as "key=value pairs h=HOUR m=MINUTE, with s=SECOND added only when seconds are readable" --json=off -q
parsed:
h=1 m=1
